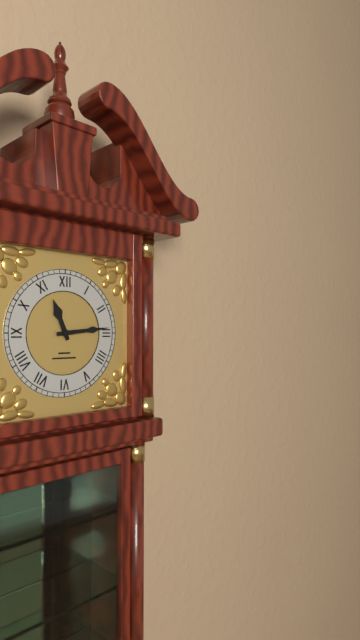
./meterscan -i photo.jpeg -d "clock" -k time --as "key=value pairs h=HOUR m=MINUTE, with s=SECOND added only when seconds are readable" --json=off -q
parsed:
h=11 m=14
